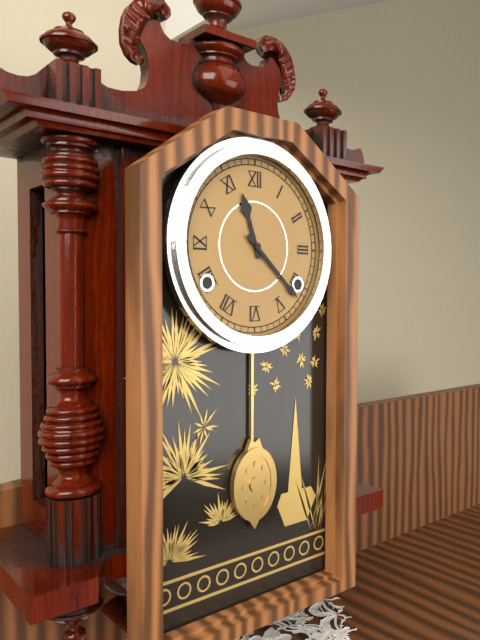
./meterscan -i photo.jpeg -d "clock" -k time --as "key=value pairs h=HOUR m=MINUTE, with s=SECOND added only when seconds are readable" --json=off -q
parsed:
h=11 m=22
